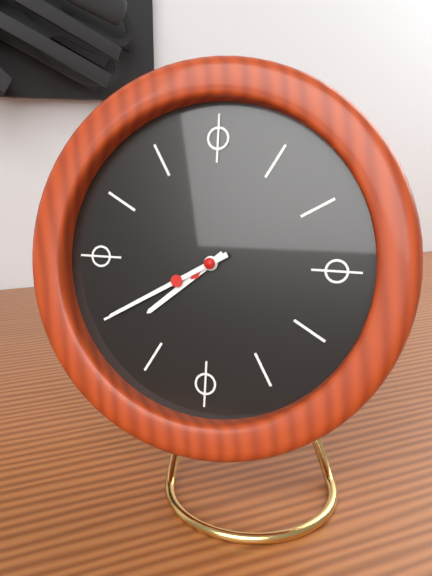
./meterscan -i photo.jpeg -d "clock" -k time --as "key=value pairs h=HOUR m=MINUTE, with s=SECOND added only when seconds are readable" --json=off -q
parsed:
h=7 m=40
